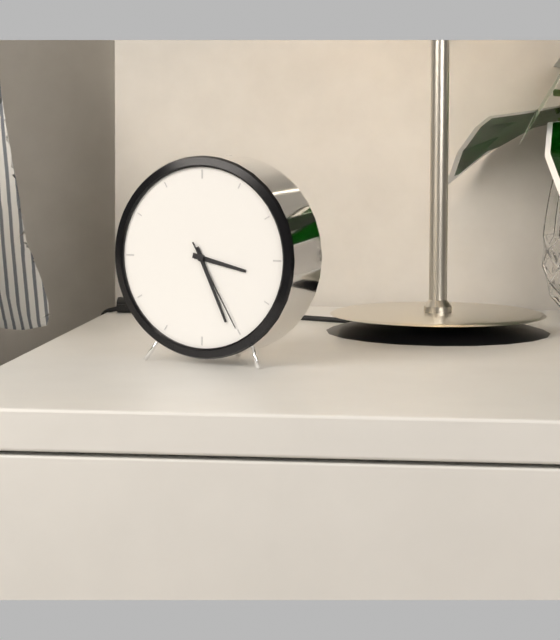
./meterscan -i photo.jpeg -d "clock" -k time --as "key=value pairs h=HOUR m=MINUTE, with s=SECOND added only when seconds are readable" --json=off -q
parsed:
h=3 m=26 s=25
